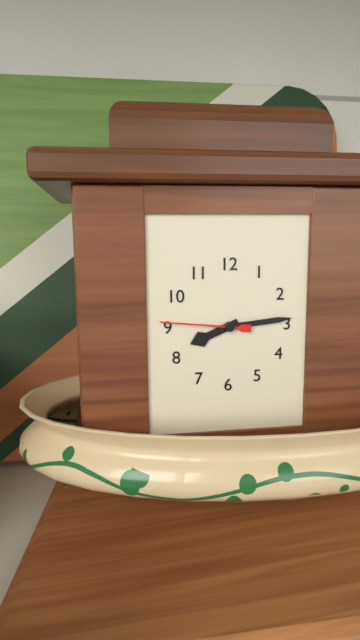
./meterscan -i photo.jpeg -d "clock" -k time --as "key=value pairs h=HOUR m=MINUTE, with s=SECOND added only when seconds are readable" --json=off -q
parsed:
h=8 m=14 s=46
